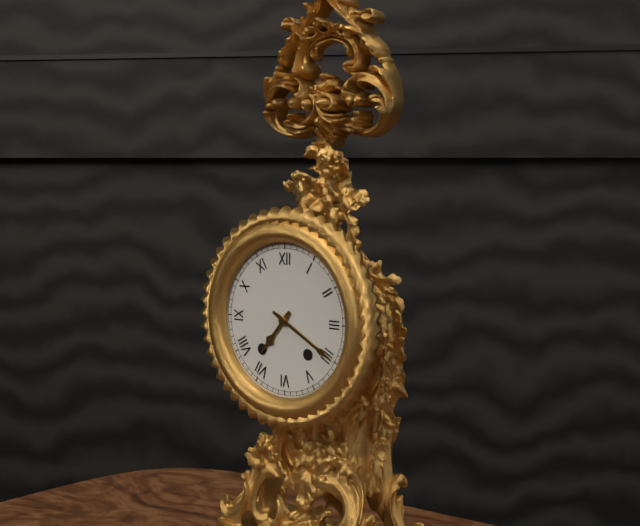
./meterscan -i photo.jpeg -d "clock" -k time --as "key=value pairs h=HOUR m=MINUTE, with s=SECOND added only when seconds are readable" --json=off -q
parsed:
h=7 m=20
